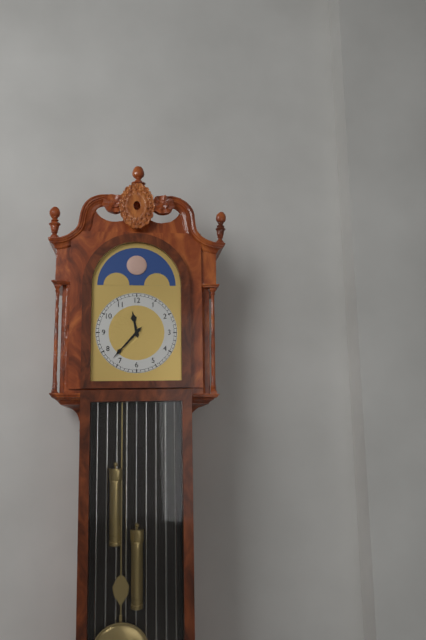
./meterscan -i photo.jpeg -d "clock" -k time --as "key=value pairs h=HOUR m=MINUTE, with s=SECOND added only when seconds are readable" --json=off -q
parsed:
h=11 m=37
